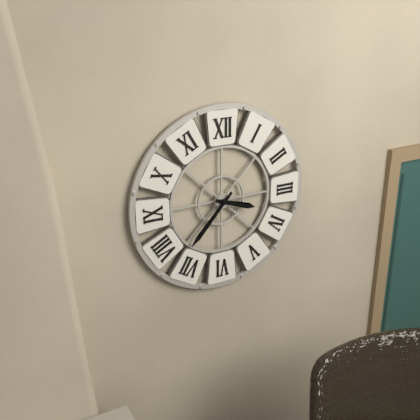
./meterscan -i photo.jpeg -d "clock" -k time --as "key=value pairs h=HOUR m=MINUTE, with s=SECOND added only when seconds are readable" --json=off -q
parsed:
h=3 m=37
